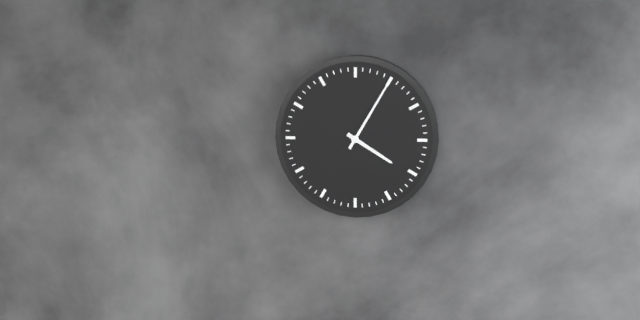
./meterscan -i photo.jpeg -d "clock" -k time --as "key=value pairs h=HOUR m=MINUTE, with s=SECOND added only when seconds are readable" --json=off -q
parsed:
h=4 m=5
